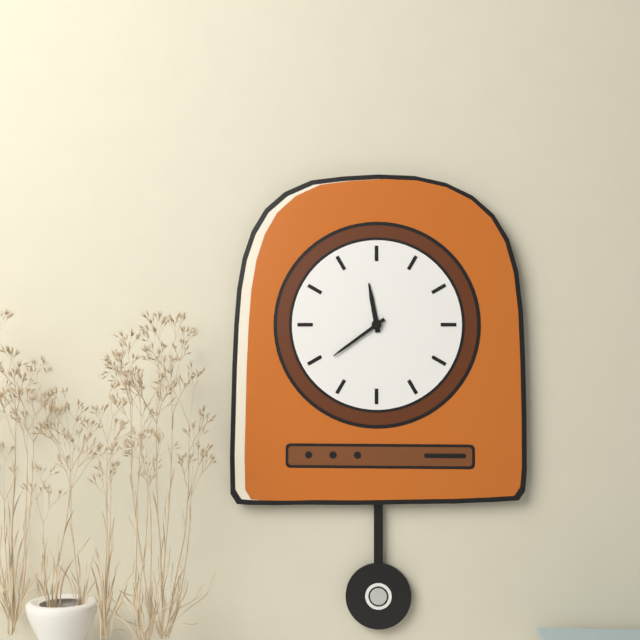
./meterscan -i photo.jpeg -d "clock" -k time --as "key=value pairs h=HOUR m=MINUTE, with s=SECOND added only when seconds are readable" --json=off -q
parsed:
h=11 m=39
